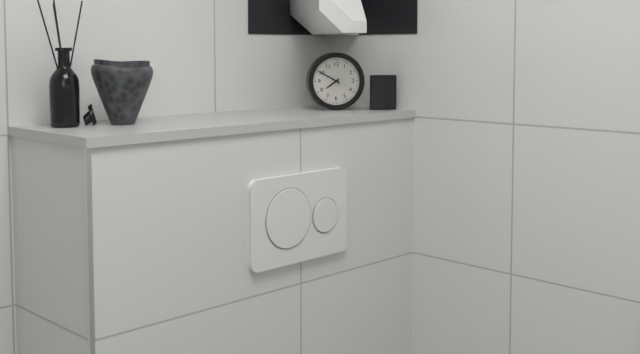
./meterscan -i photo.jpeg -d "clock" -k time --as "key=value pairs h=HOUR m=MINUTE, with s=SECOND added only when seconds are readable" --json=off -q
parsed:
h=7 m=50
